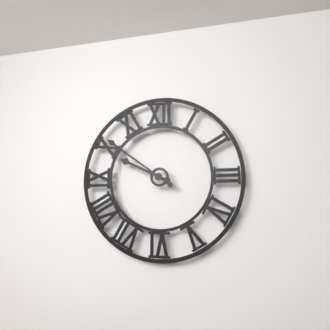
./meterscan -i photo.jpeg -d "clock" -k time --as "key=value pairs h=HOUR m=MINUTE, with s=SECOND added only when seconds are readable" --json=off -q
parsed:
h=9 m=51
